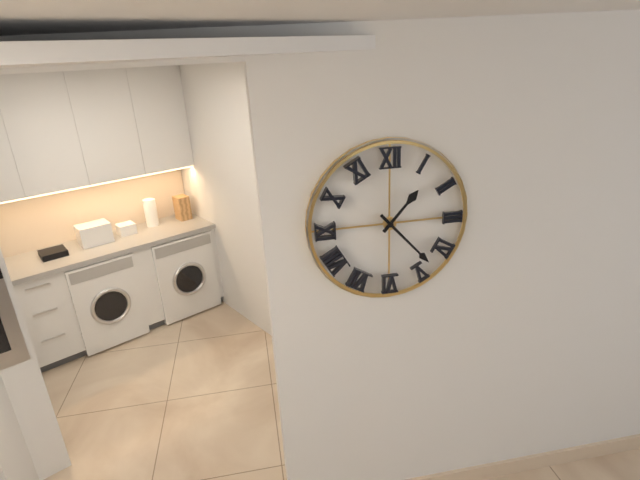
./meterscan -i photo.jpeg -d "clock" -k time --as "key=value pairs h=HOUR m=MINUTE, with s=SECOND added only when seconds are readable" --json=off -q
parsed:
h=1 m=23
